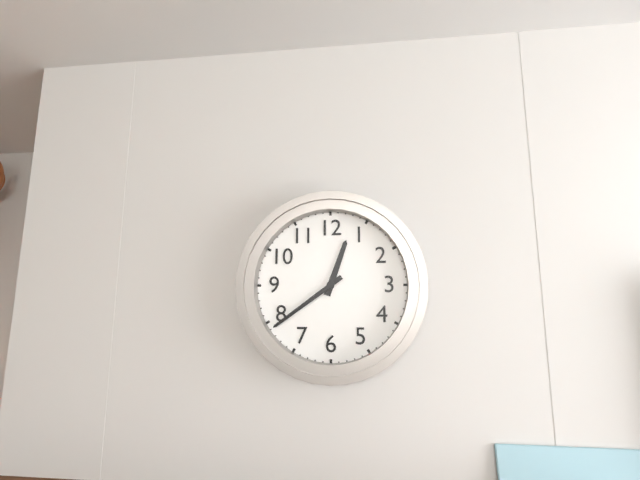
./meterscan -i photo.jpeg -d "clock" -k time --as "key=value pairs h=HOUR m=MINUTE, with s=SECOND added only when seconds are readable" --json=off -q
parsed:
h=12 m=39
